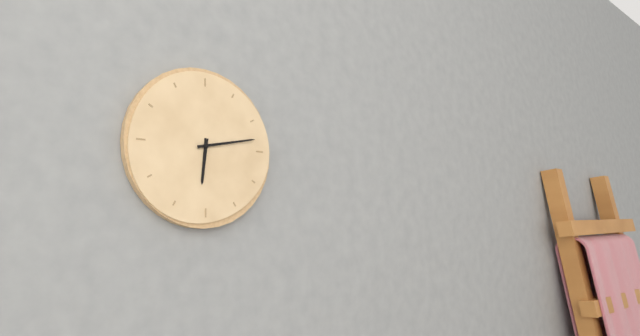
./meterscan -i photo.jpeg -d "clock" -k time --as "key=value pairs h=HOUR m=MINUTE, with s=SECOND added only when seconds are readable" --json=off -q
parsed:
h=6 m=13
